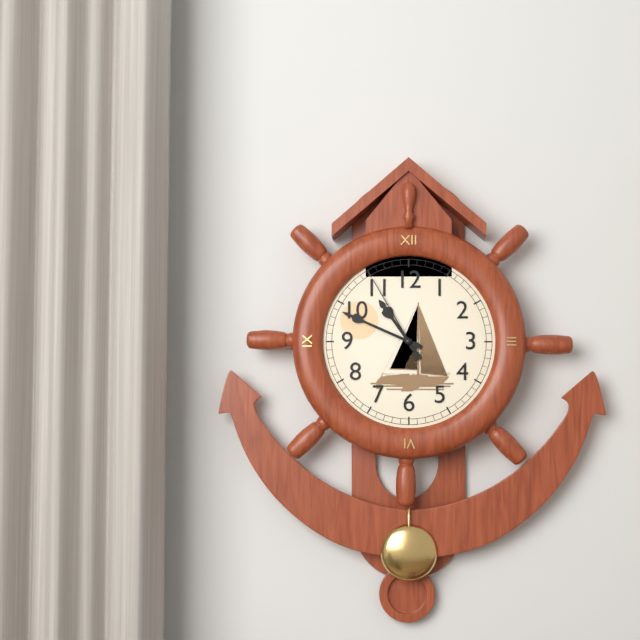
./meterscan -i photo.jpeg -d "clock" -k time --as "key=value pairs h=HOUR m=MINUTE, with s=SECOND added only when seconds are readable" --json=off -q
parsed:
h=10 m=49 s=55
